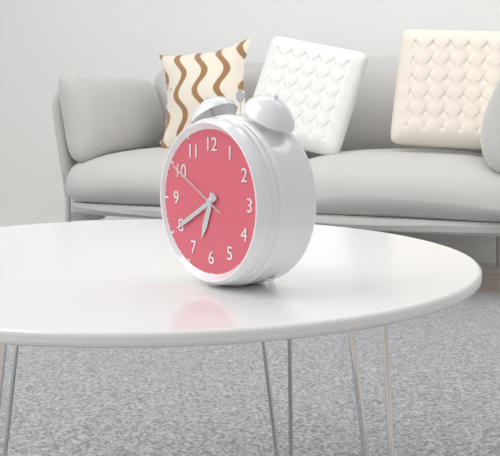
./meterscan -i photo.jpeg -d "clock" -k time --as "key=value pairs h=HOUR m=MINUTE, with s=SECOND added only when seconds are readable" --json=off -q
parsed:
h=6 m=40 s=50
